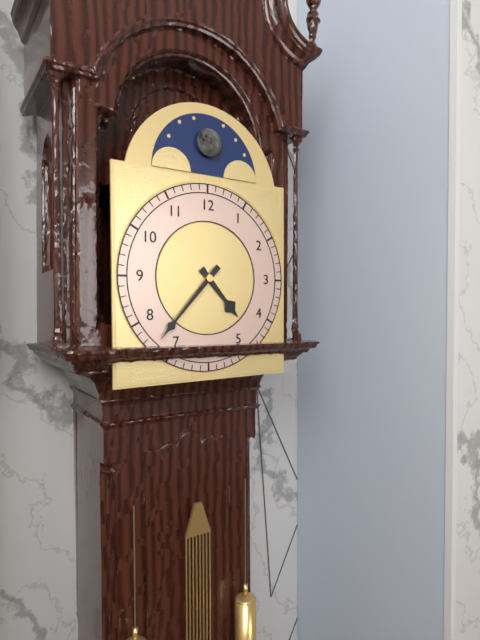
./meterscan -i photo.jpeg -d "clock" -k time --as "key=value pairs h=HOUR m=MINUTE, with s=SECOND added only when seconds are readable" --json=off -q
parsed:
h=4 m=37
